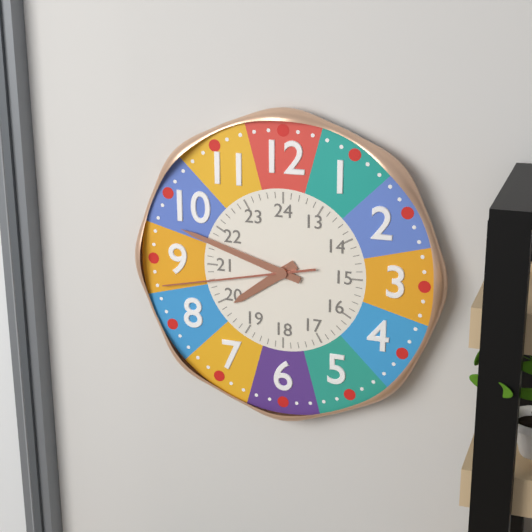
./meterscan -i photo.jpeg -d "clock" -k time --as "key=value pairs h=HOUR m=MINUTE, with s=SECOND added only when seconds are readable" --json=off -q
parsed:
h=7 m=48 s=43
